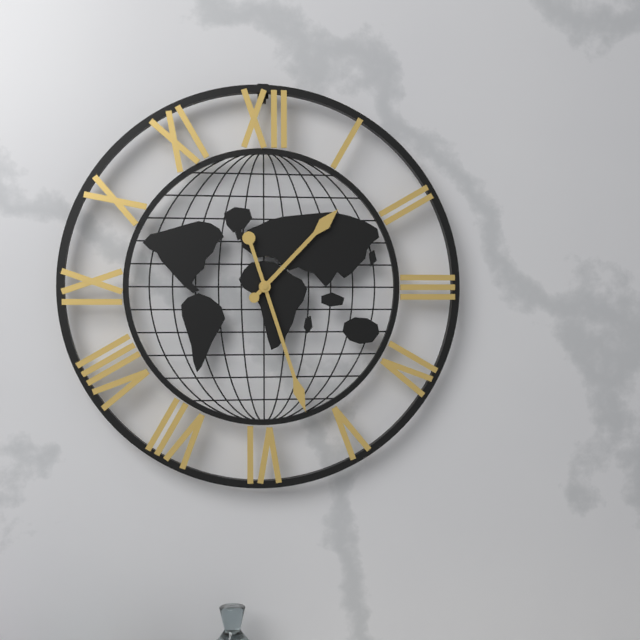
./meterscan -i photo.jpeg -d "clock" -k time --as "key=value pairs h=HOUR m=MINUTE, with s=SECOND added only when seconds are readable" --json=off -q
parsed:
h=1 m=27
